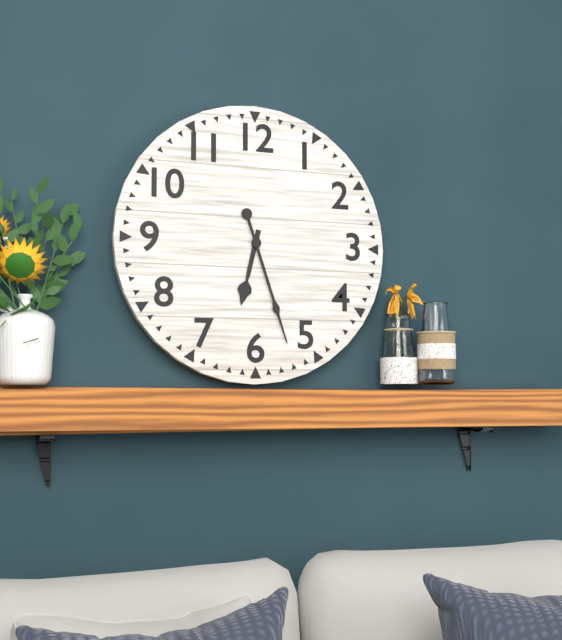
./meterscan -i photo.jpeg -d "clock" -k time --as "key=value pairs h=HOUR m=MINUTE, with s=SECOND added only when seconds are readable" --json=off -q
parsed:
h=6 m=27
